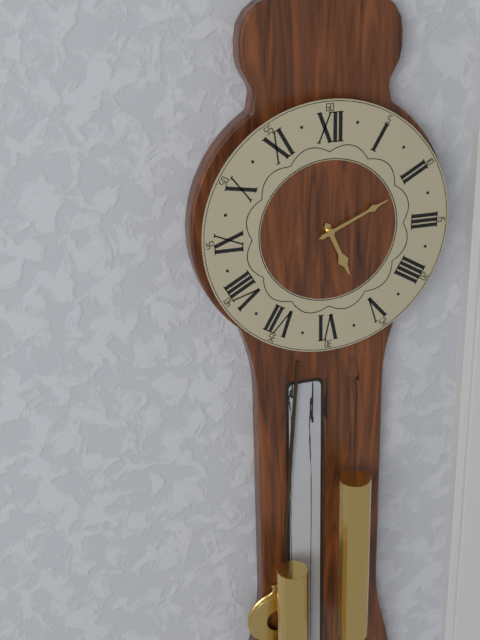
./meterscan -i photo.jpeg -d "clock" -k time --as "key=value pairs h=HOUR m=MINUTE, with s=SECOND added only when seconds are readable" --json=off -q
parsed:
h=5 m=11
